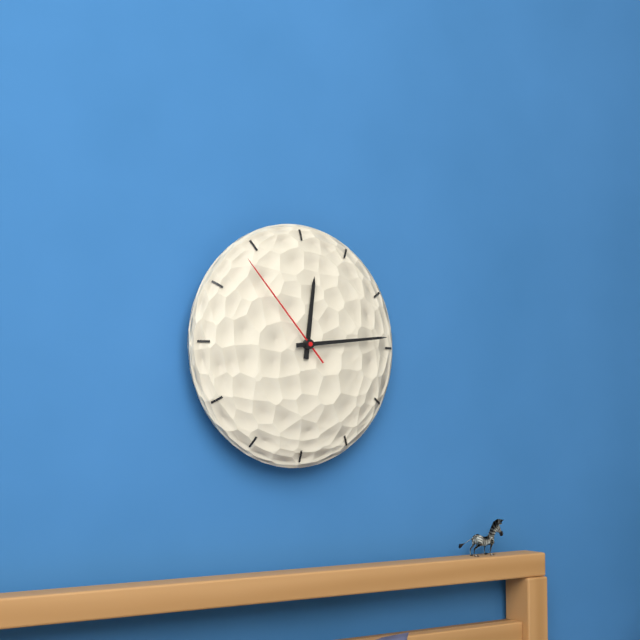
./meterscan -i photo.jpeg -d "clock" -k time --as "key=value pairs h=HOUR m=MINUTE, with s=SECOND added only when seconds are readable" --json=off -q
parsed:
h=12 m=14 s=53
